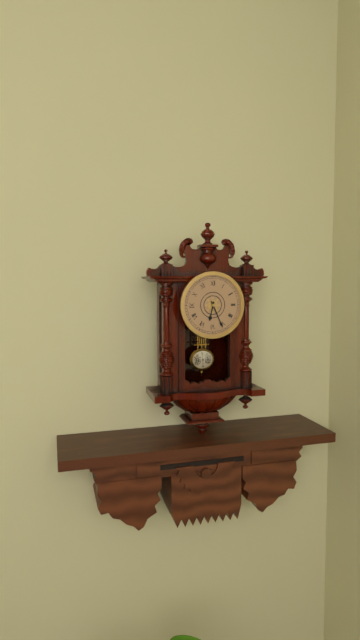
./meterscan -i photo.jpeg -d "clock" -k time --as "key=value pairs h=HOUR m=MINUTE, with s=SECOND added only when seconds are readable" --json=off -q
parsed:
h=6 m=26
